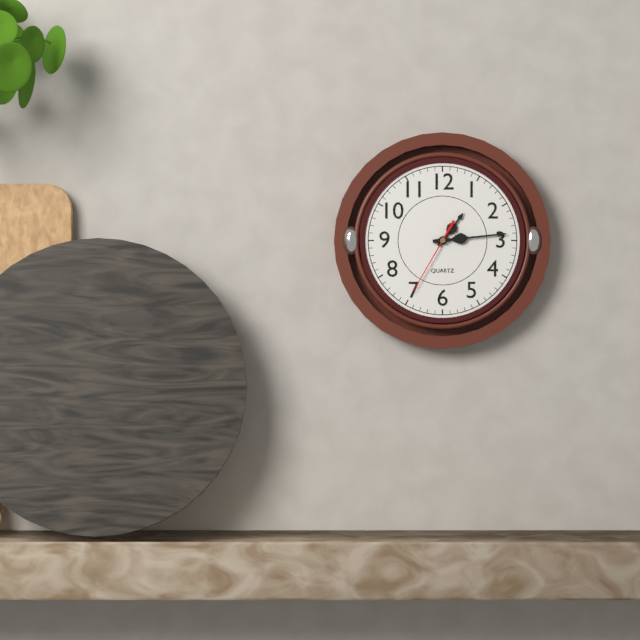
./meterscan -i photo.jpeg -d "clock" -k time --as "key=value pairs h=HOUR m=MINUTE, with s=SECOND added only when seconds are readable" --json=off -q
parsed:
h=1 m=14 s=35
